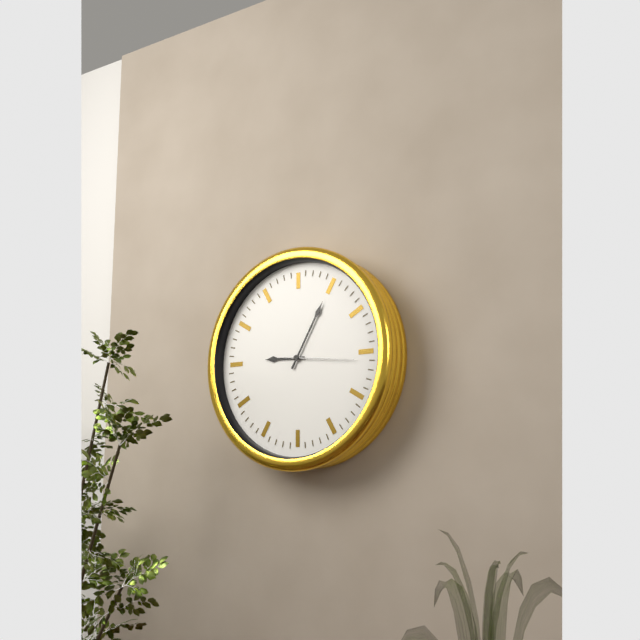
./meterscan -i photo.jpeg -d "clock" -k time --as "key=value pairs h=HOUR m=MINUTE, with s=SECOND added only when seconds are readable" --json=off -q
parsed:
h=9 m=5
